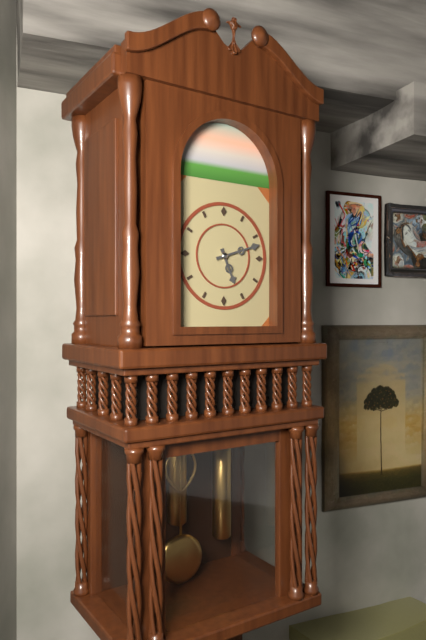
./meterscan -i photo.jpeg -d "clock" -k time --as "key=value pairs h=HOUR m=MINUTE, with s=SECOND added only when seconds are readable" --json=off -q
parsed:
h=5 m=12
